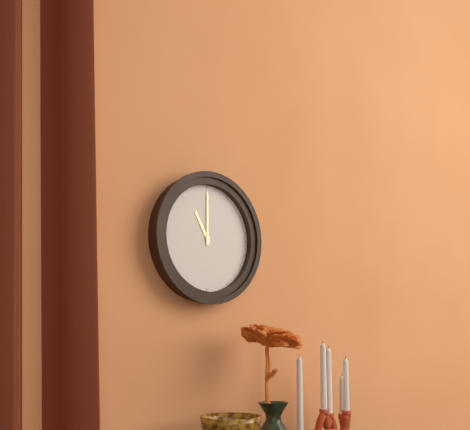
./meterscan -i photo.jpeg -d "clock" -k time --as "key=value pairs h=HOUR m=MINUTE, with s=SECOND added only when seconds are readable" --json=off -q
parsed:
h=11 m=0
